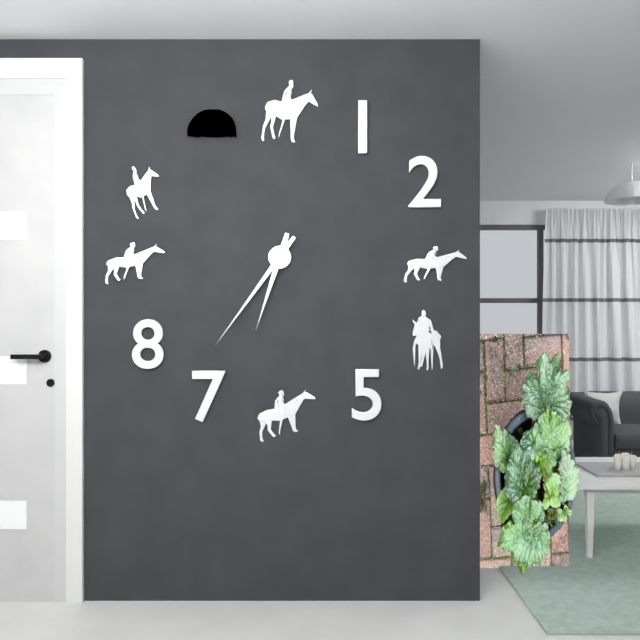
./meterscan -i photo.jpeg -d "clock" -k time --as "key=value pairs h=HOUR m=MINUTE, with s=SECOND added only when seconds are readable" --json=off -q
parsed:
h=6 m=36
